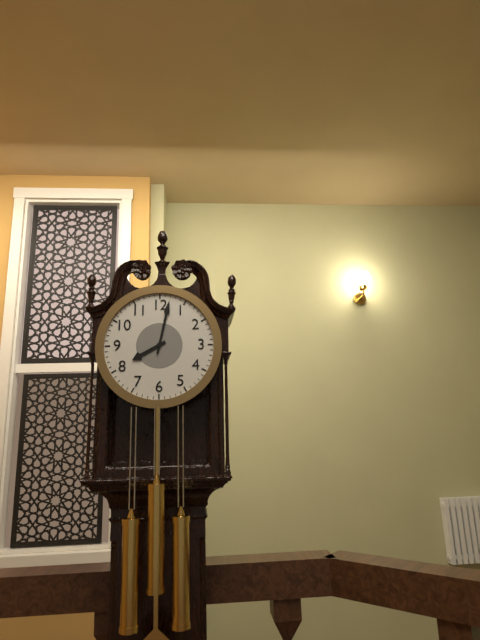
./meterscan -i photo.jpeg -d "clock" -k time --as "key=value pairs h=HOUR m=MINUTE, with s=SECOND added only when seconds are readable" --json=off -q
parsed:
h=8 m=2
